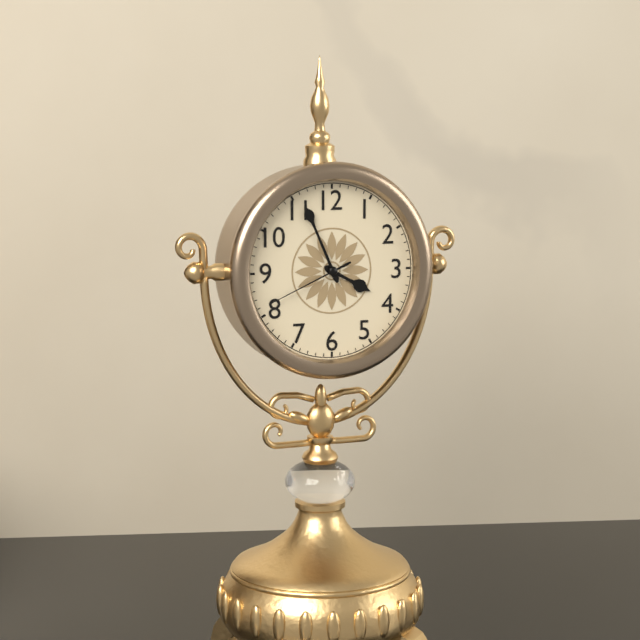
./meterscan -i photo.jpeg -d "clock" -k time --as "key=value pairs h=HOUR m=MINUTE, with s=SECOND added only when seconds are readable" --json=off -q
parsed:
h=3 m=56 s=41
